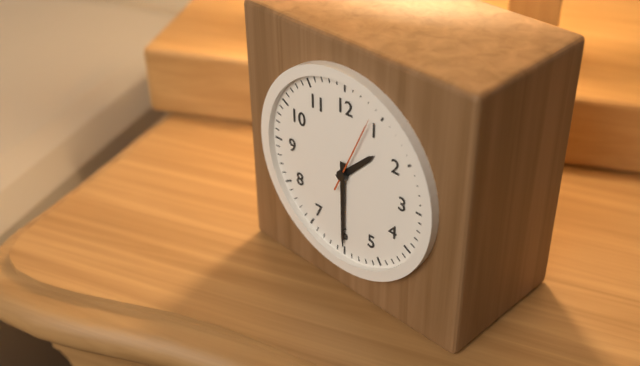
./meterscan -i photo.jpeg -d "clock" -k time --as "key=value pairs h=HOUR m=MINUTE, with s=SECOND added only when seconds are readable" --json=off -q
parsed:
h=1 m=30 s=4
